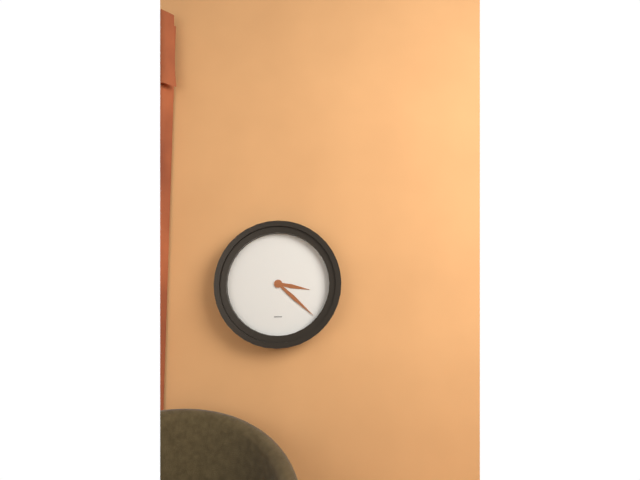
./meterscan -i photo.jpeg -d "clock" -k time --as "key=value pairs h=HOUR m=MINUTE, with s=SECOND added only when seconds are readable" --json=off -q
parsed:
h=3 m=22
